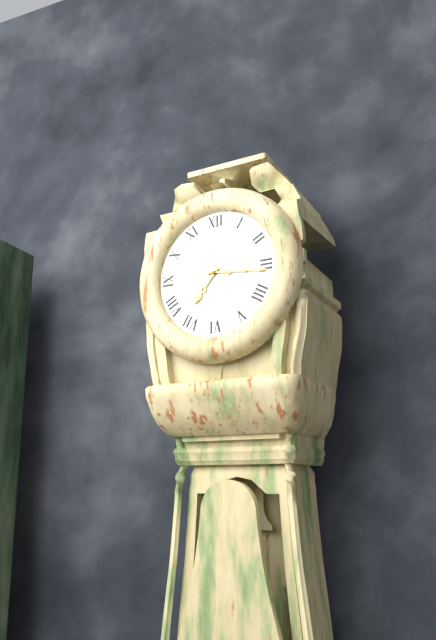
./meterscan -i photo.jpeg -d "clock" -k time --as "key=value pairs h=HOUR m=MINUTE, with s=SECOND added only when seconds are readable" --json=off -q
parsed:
h=7 m=16
